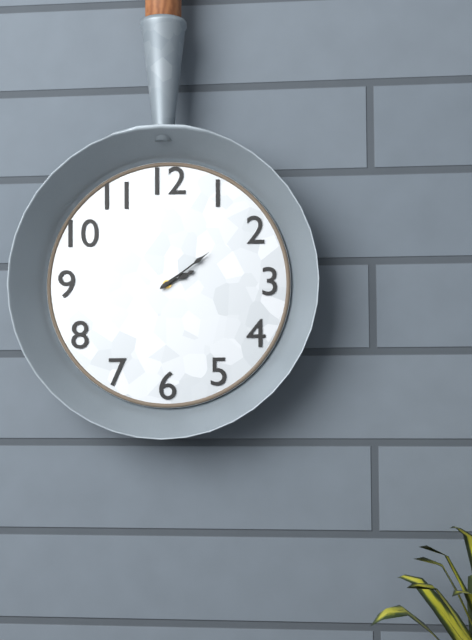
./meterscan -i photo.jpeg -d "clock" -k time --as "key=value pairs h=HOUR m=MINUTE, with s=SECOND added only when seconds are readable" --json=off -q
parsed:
h=2 m=9
